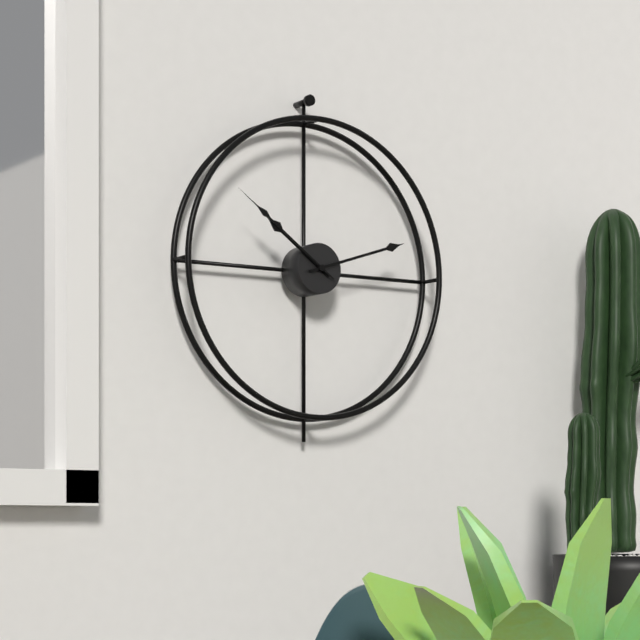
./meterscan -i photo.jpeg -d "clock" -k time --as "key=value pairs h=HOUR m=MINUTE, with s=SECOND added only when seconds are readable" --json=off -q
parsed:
h=10 m=12 s=51
